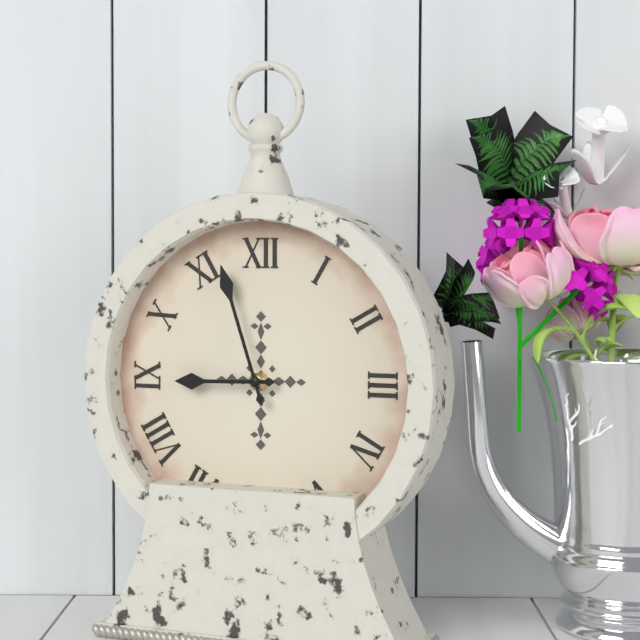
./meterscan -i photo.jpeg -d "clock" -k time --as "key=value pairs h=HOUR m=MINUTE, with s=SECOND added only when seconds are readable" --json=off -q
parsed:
h=8 m=57
